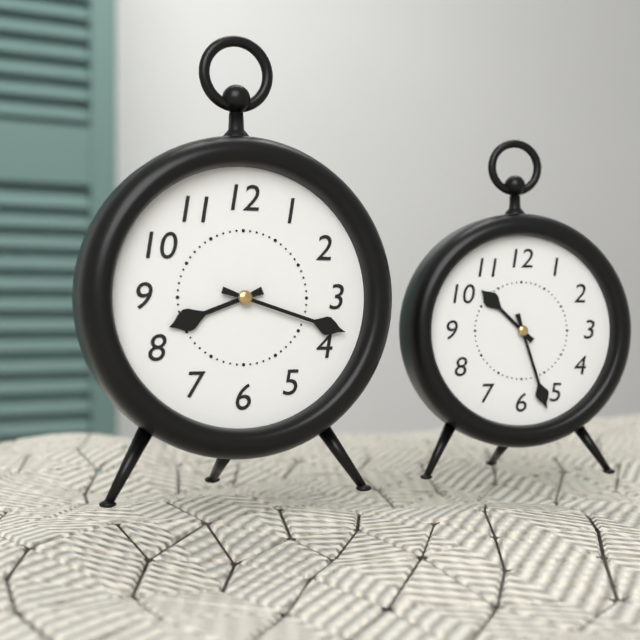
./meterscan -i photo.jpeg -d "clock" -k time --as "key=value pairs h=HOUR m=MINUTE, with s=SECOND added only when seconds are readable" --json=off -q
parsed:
h=8 m=18
